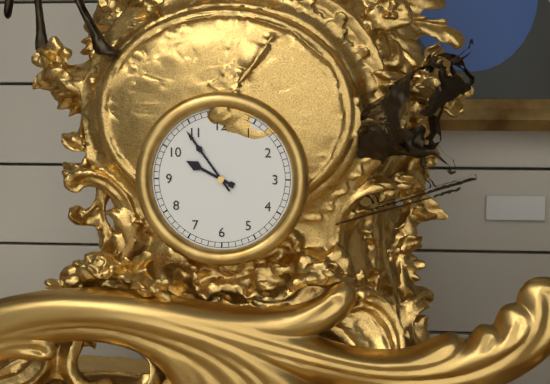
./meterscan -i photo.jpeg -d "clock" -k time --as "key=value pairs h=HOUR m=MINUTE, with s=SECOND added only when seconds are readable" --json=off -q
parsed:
h=9 m=54
